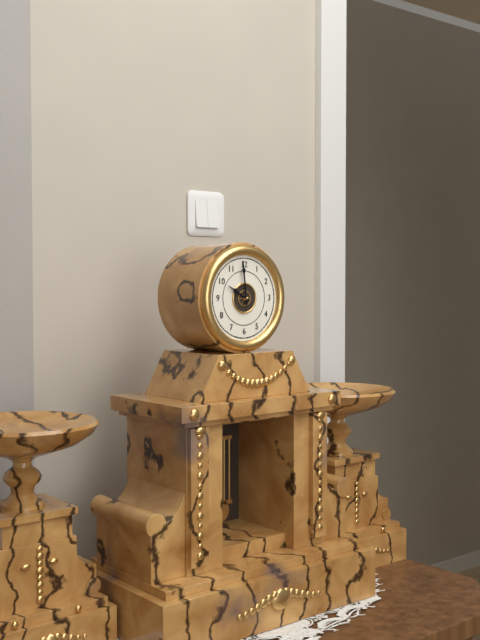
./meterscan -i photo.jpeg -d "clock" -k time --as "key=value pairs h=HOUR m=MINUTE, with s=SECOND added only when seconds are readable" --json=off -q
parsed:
h=9 m=59
